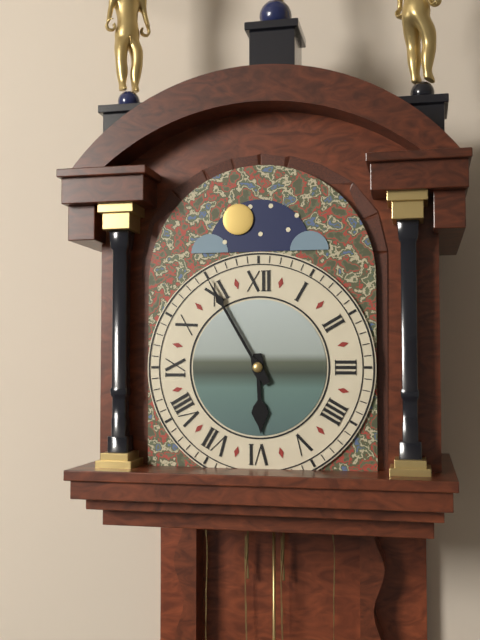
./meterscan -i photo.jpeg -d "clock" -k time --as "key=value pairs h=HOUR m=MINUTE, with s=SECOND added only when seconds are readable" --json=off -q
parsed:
h=5 m=55
